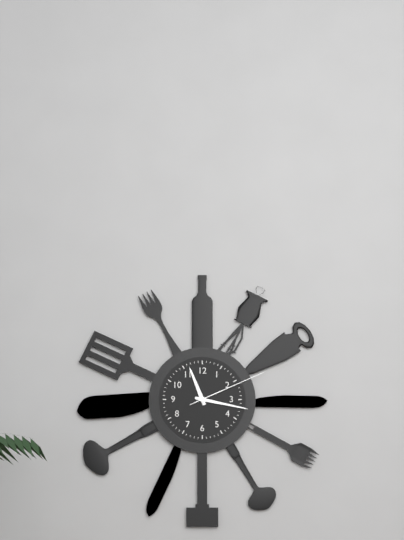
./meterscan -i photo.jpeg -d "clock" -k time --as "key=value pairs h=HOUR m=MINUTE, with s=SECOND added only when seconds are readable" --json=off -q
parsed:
h=11 m=17 s=11
